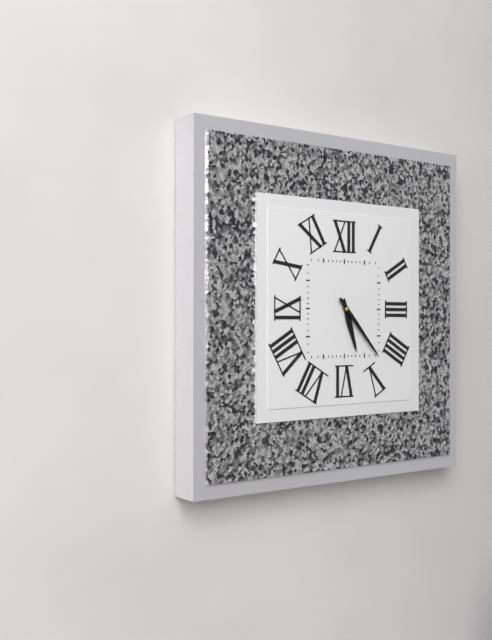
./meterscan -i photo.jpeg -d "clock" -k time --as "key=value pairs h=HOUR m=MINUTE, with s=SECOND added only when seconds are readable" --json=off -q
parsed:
h=5 m=23
